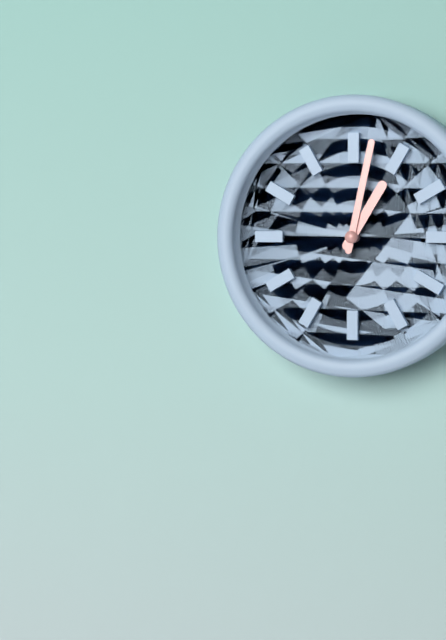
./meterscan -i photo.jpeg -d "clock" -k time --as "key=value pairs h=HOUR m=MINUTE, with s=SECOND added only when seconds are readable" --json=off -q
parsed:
h=1 m=2
